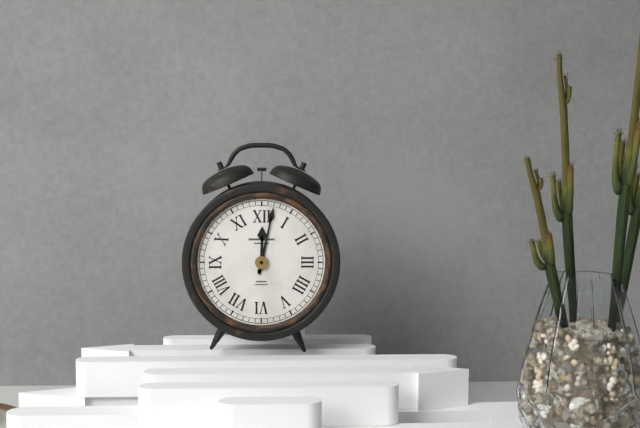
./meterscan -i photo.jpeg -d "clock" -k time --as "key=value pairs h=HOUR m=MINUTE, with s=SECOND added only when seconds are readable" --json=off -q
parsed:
h=12 m=2
